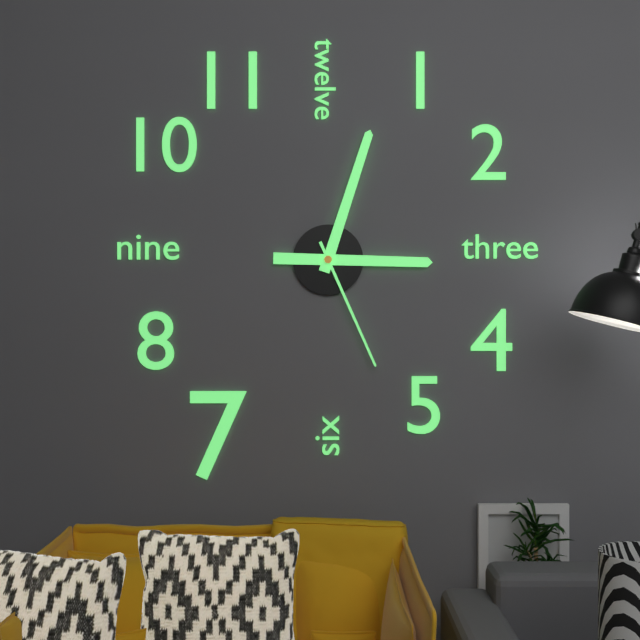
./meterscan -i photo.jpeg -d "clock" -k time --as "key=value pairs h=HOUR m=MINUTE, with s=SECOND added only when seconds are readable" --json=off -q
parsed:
h=3 m=3 s=26
